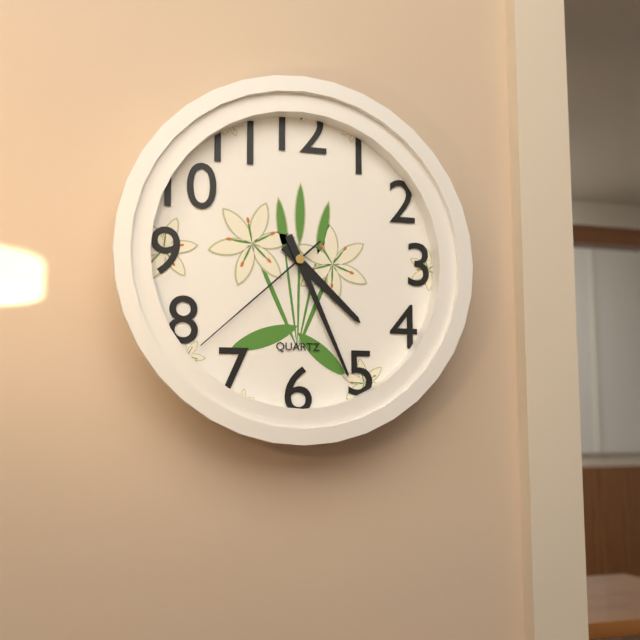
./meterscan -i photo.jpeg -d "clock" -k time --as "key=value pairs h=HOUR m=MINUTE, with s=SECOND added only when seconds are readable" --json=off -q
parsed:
h=4 m=26 s=38
